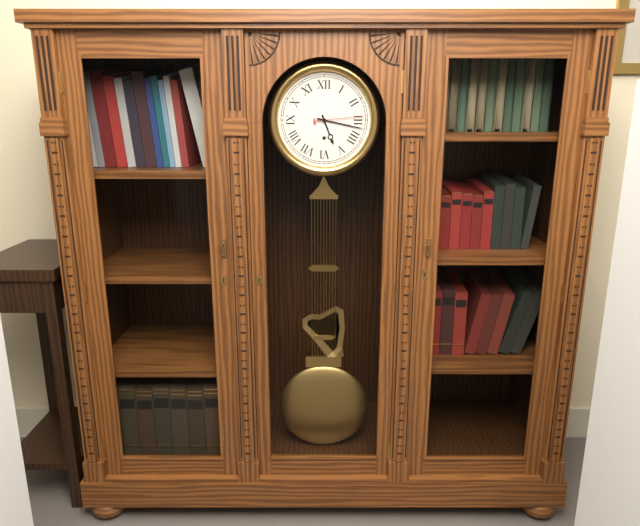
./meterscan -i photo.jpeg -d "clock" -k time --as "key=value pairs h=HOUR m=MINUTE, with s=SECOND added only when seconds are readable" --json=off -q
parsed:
h=5 m=17
